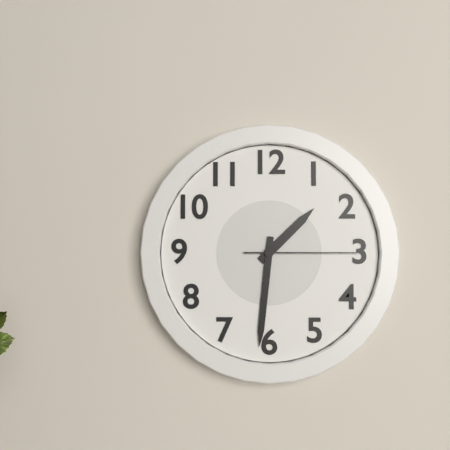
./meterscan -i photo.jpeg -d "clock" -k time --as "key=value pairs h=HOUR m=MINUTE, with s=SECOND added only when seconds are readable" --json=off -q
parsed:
h=1 m=31 s=15
